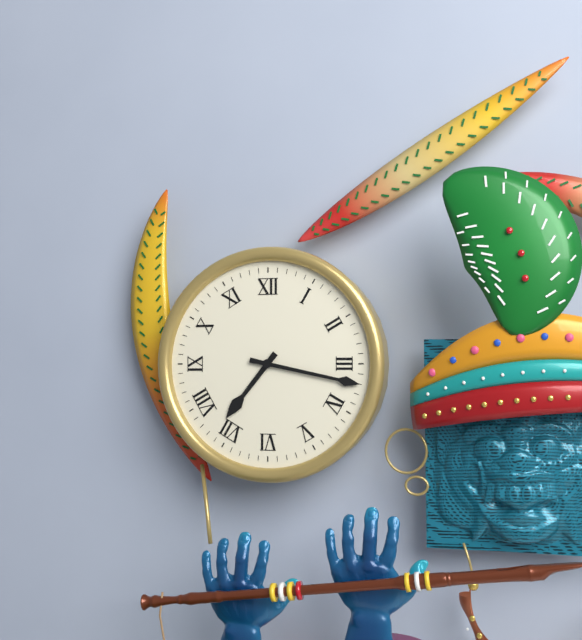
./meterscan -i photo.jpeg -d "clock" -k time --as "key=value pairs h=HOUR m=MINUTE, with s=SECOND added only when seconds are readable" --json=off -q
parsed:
h=7 m=17
